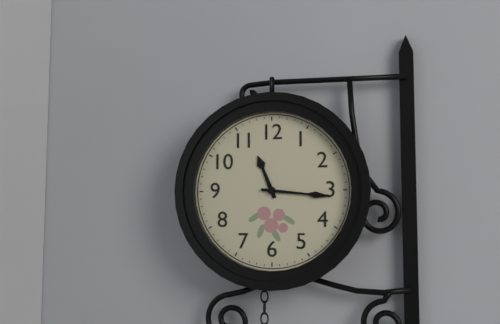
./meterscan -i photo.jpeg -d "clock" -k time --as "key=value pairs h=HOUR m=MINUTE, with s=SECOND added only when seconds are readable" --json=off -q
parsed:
h=11 m=16
